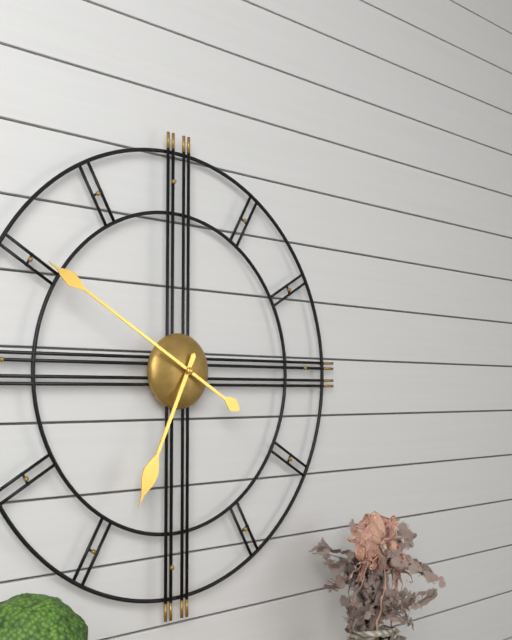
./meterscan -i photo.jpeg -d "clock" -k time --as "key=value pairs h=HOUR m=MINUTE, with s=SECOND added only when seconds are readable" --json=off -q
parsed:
h=6 m=50
